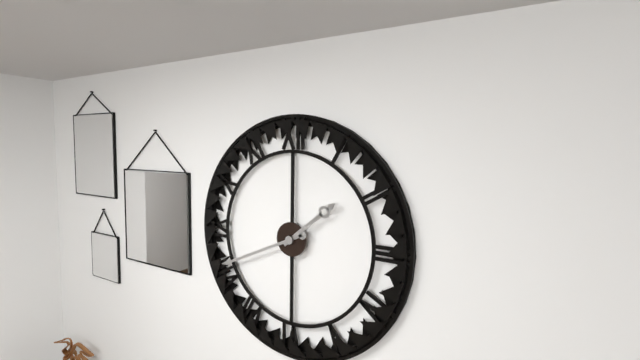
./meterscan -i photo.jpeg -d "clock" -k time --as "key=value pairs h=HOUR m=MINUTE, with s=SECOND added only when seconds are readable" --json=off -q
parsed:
h=1 m=41
